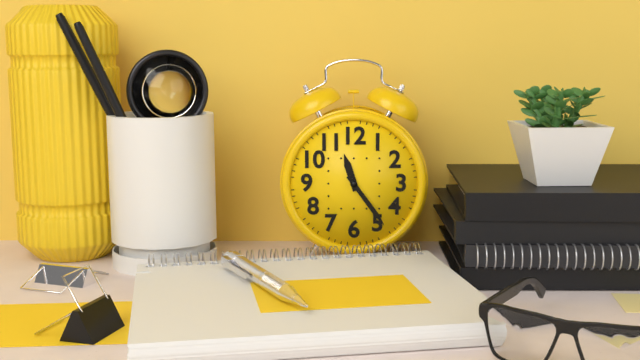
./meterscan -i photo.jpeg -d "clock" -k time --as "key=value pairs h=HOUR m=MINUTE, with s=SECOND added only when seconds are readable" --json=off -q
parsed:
h=11 m=24
